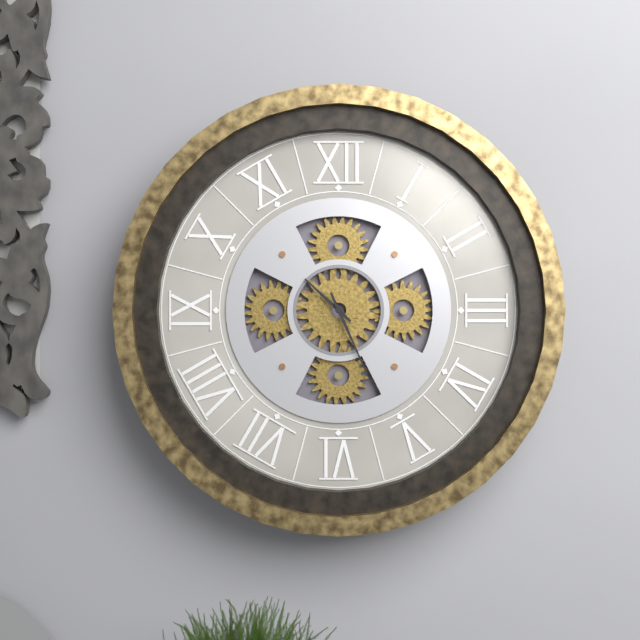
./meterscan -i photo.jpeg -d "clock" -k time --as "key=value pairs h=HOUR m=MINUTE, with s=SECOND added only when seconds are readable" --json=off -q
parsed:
h=10 m=26
